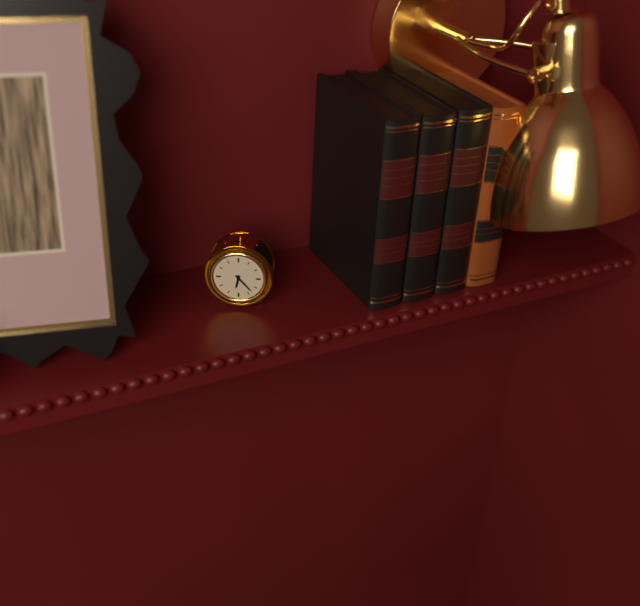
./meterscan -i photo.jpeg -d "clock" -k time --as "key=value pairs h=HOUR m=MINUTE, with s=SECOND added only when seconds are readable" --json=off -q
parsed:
h=6 m=23
